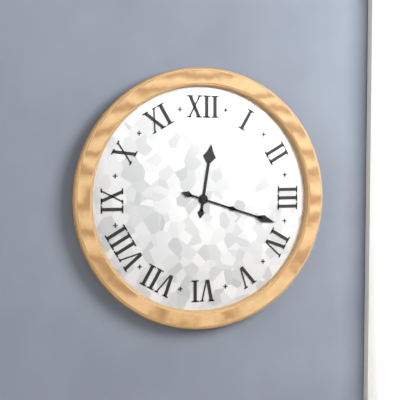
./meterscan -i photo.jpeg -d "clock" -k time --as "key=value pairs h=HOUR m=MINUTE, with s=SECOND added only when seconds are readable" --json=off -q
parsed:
h=12 m=18
